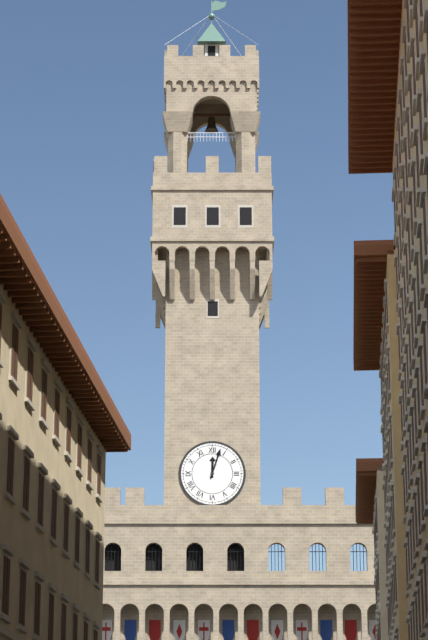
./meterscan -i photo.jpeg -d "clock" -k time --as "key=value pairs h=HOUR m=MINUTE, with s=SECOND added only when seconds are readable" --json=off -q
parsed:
h=12 m=3
